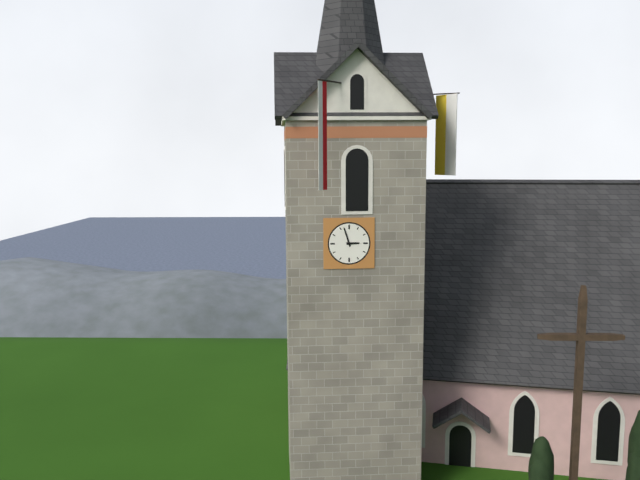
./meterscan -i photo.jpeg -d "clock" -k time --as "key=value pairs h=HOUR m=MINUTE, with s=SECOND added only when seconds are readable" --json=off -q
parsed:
h=2 m=57
